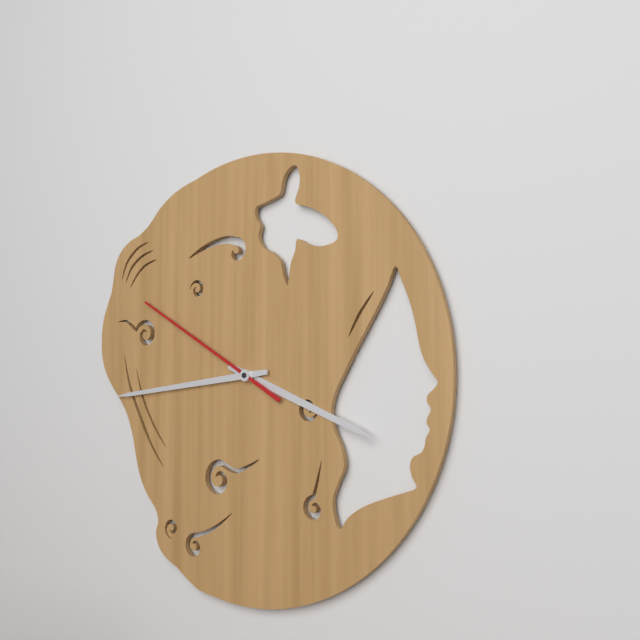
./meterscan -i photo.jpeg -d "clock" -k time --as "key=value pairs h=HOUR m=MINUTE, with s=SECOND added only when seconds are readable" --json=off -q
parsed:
h=3 m=44 s=50
